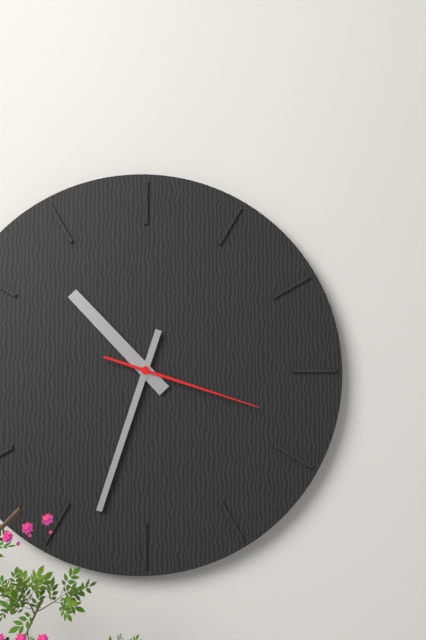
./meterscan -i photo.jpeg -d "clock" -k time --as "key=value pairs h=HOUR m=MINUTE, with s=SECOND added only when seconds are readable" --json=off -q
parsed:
h=10 m=33 s=18
